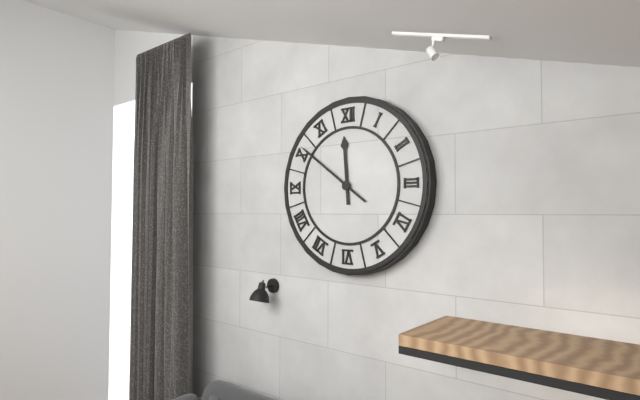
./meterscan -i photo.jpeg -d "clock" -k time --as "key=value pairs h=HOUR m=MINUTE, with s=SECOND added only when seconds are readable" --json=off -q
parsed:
h=11 m=51
